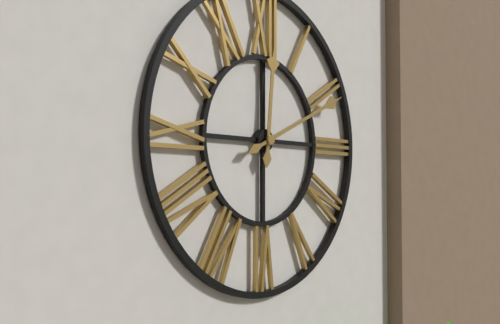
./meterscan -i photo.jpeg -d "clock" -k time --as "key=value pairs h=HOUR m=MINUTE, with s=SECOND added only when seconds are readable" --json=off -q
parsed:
h=12 m=11
